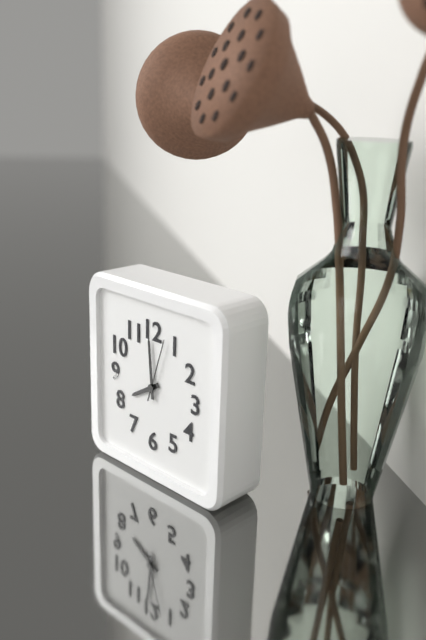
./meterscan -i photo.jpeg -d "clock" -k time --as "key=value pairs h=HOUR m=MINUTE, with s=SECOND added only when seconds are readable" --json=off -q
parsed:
h=7 m=59 s=3
